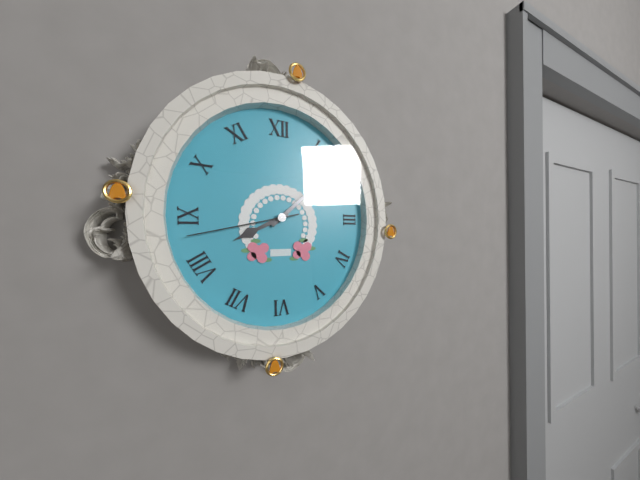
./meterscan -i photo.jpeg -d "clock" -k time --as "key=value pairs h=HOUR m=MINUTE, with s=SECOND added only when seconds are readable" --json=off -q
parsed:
h=8 m=8 s=43
